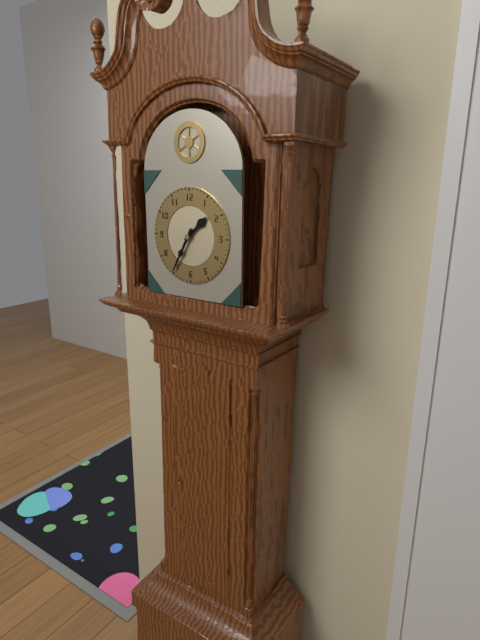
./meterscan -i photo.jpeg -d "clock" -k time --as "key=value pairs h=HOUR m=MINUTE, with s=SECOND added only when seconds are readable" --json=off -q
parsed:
h=1 m=35
